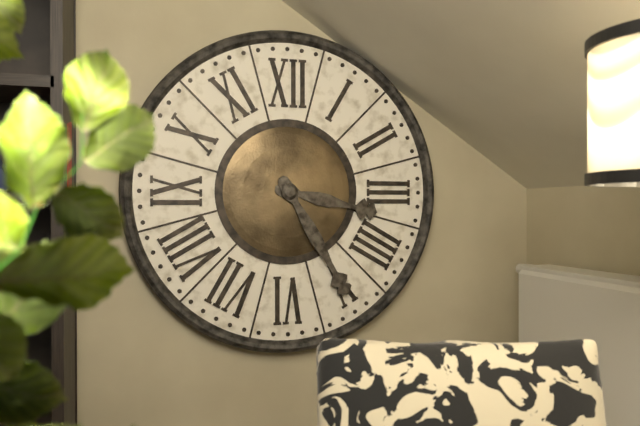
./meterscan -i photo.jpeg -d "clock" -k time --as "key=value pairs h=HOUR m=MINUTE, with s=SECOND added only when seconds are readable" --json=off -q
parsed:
h=3 m=25
